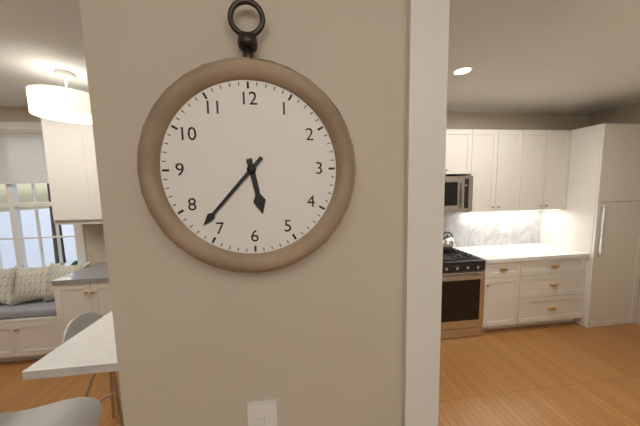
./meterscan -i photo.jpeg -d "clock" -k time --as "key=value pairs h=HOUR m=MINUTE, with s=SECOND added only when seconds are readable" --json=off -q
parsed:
h=5 m=37
